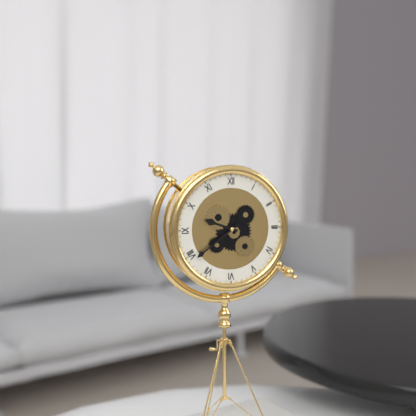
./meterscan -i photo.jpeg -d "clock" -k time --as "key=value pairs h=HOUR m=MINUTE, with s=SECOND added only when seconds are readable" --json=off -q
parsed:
h=9 m=39
